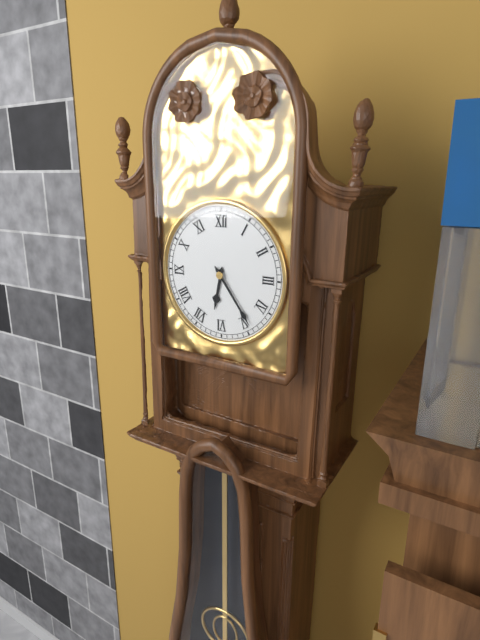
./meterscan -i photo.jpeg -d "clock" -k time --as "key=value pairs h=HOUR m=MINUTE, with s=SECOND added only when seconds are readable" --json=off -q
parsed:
h=6 m=24
